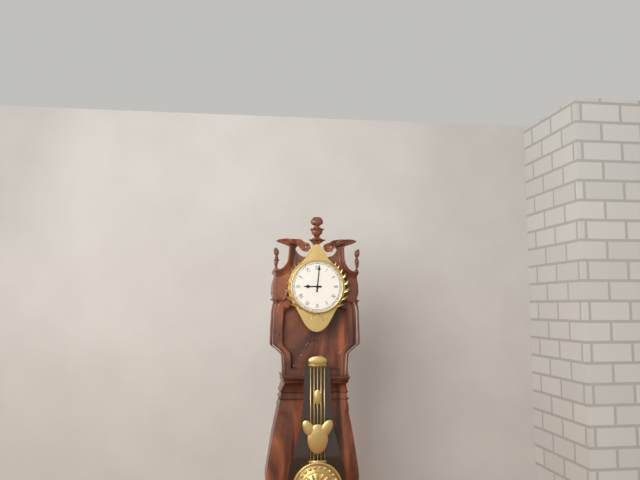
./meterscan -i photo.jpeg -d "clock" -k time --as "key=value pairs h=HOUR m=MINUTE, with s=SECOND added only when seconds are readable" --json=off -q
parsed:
h=9 m=1
